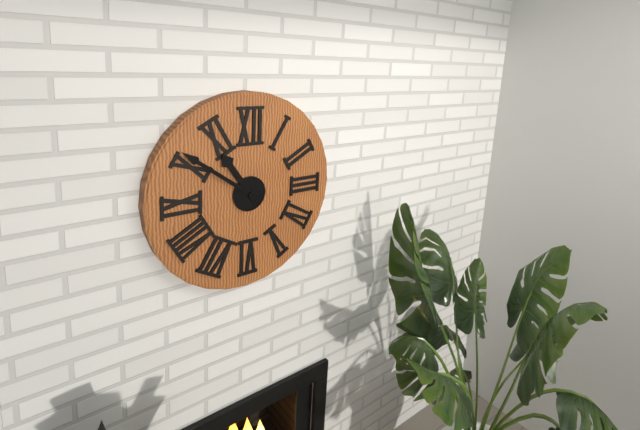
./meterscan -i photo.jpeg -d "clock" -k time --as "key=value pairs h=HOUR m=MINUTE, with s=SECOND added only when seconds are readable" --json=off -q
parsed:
h=10 m=51
